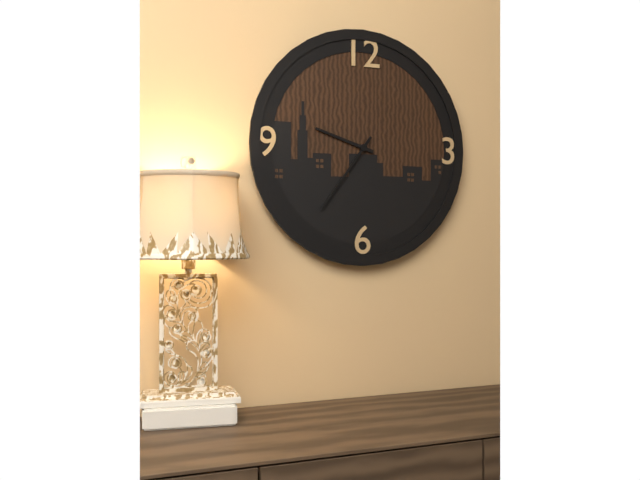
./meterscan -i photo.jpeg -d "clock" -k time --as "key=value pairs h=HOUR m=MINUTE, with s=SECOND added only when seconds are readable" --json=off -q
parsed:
h=9 m=36
